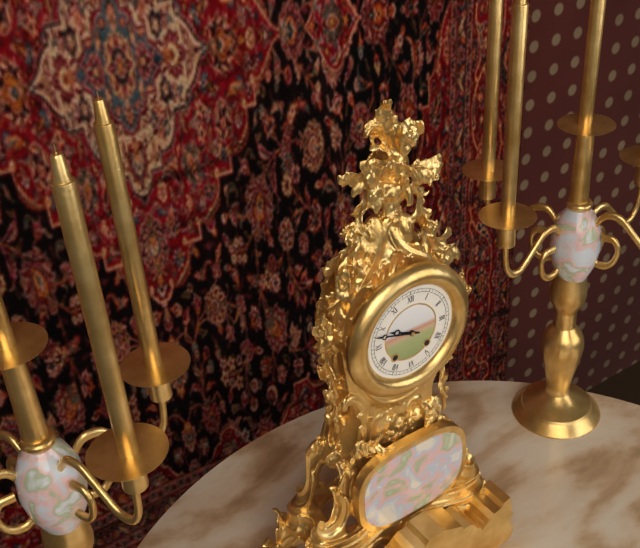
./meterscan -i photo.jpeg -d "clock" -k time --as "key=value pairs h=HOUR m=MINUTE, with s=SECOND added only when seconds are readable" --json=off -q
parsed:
h=9 m=48
